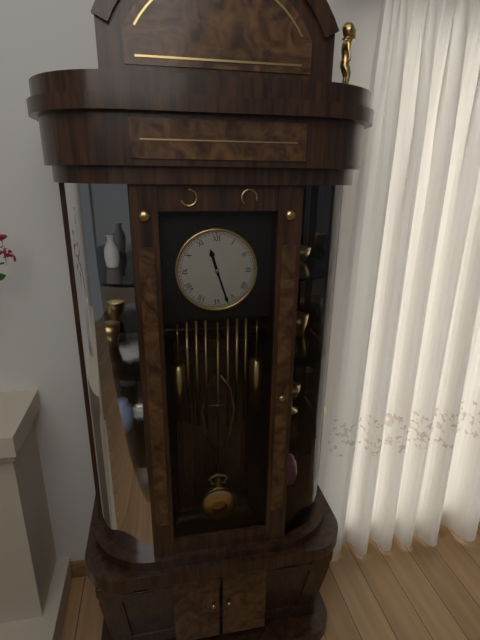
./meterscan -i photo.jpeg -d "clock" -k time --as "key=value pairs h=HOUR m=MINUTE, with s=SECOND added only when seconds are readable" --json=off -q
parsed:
h=11 m=27
